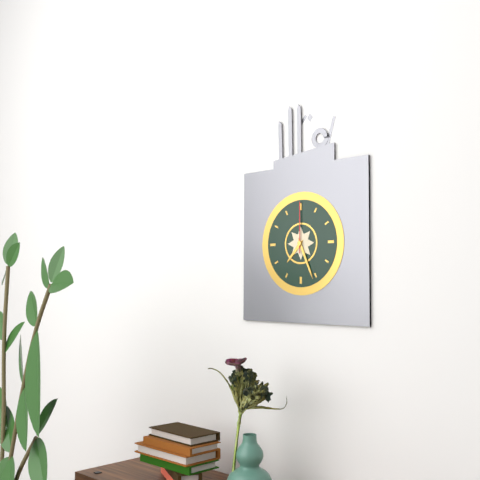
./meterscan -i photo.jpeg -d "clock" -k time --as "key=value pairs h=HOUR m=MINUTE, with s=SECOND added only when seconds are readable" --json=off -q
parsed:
h=7 m=26 s=0
